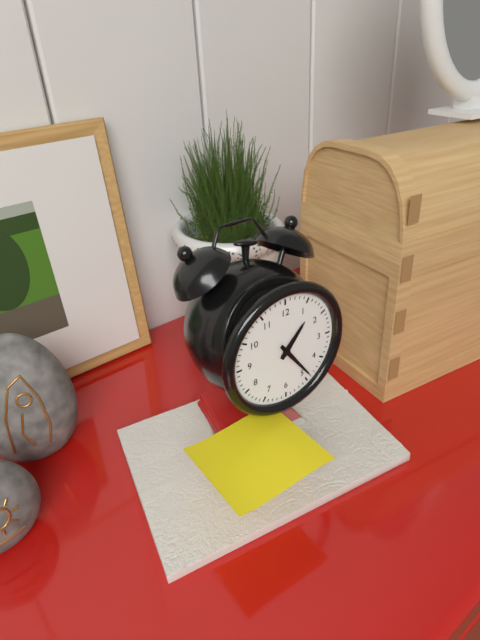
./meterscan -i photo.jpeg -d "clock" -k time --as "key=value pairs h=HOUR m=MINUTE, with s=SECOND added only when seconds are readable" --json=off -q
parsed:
h=1 m=24
